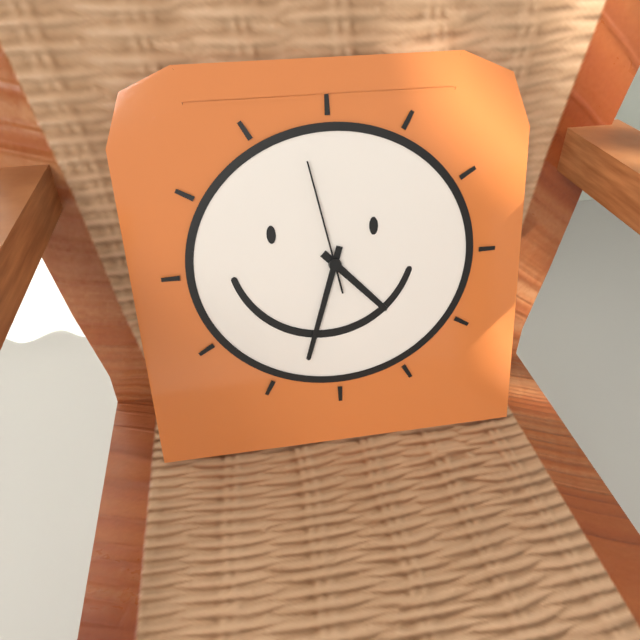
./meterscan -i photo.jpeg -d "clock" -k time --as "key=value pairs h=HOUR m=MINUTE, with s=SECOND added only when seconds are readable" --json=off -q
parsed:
h=4 m=33 s=58
